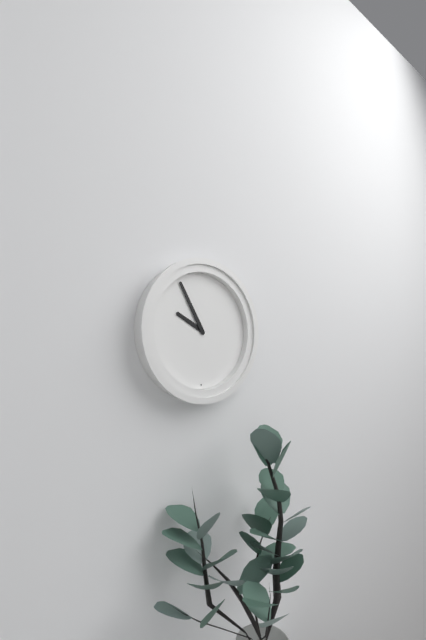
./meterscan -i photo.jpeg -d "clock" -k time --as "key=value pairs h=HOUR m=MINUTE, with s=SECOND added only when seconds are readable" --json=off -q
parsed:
h=9 m=55
